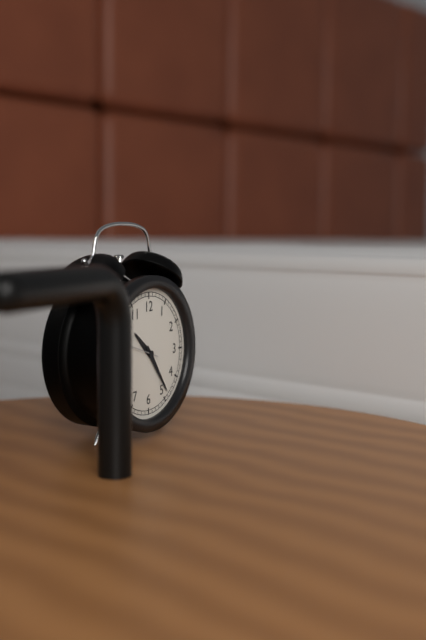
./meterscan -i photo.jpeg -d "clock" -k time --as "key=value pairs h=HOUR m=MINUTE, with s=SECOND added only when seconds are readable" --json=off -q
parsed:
h=10 m=24
